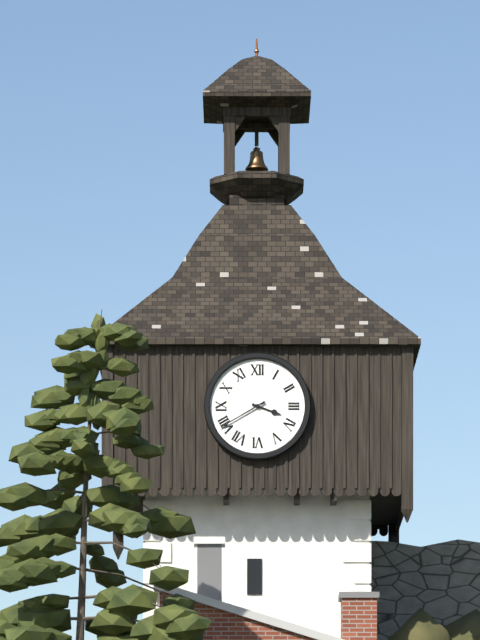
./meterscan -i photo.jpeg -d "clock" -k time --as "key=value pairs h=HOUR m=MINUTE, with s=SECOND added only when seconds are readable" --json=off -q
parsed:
h=3 m=40
